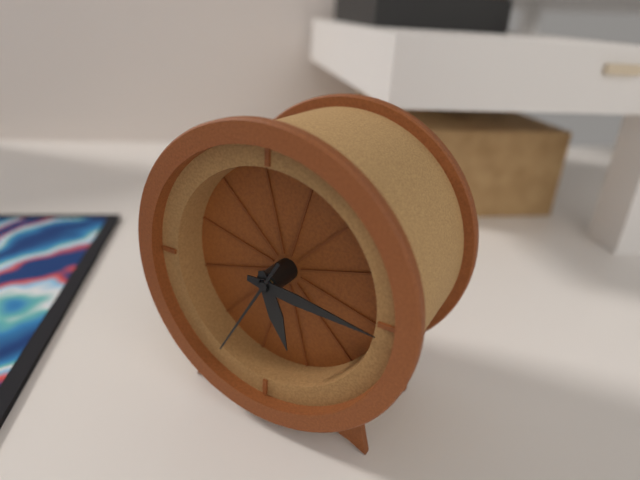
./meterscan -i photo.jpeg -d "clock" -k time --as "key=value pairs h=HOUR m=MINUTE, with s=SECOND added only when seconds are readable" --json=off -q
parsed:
h=5 m=16 s=35
